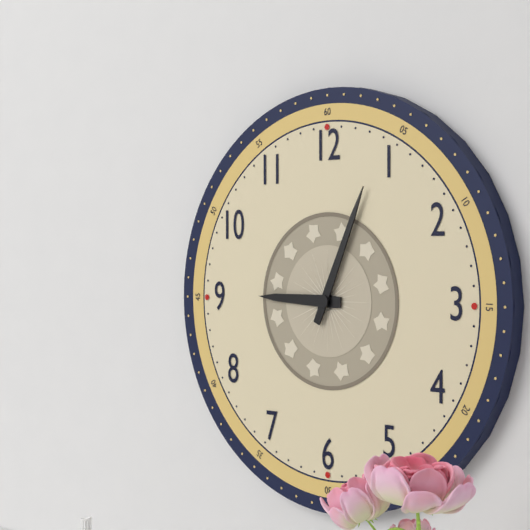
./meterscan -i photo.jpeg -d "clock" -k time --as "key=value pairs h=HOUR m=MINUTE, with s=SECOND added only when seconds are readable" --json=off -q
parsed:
h=9 m=4
